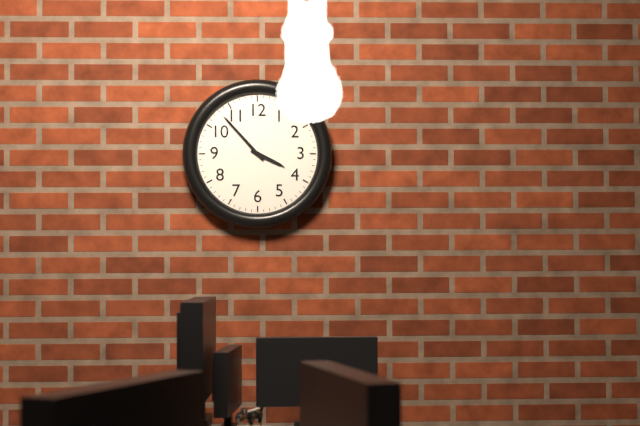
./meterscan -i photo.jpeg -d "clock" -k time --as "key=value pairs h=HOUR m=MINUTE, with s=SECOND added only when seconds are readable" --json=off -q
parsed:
h=3 m=53
